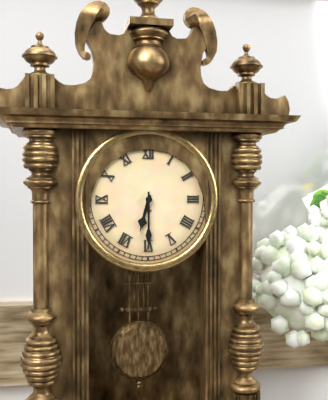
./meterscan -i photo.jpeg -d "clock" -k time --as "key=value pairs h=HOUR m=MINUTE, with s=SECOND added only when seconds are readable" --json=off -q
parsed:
h=6 m=30
